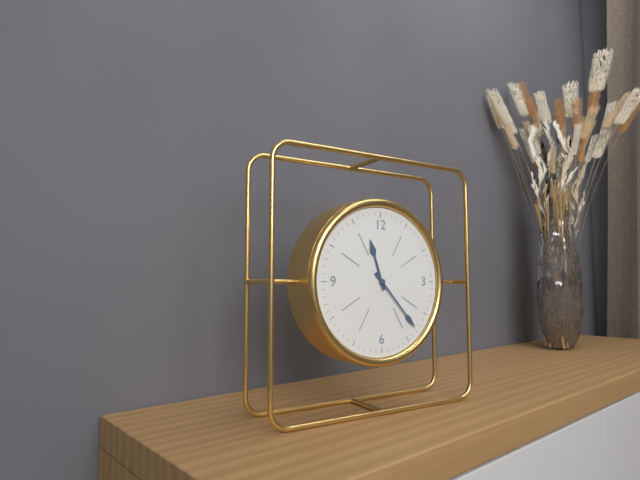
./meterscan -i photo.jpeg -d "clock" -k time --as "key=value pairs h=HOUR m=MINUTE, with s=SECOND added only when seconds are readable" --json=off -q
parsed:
h=11 m=23
